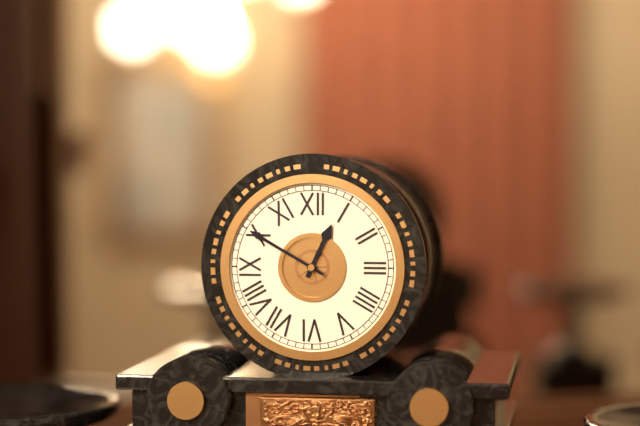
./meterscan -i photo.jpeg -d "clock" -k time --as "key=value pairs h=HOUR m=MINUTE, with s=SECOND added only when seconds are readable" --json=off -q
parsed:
h=12 m=50
